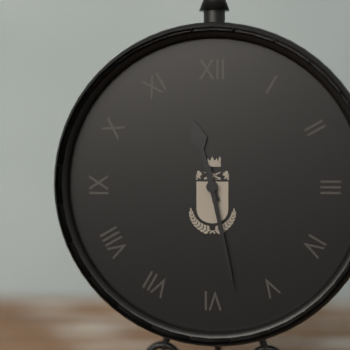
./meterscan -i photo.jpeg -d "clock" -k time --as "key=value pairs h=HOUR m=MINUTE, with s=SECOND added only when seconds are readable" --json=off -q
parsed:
h=11 m=28
